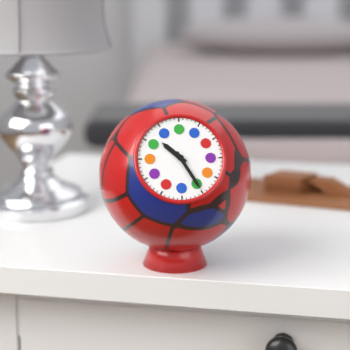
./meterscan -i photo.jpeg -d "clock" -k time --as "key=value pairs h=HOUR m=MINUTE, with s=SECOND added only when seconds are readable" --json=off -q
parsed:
h=10 m=25
